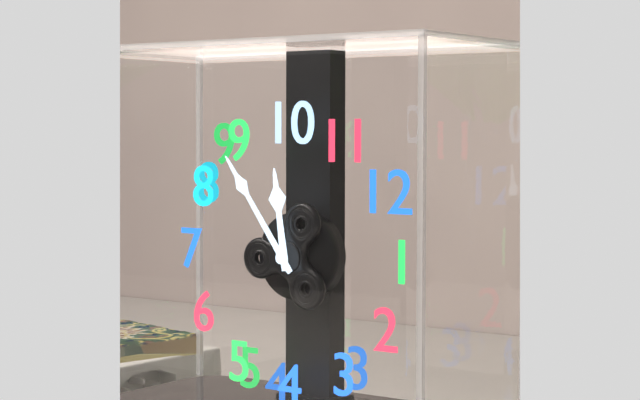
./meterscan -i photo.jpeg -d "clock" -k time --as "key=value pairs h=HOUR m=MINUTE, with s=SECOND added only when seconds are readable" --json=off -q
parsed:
h=9 m=44
